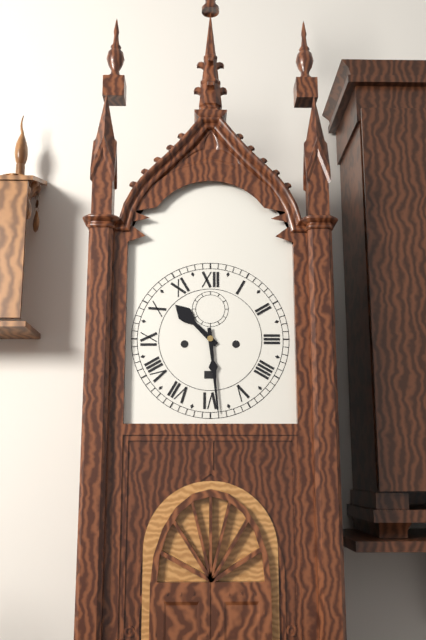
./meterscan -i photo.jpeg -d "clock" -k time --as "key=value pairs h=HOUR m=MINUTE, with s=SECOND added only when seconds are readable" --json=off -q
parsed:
h=10 m=29
